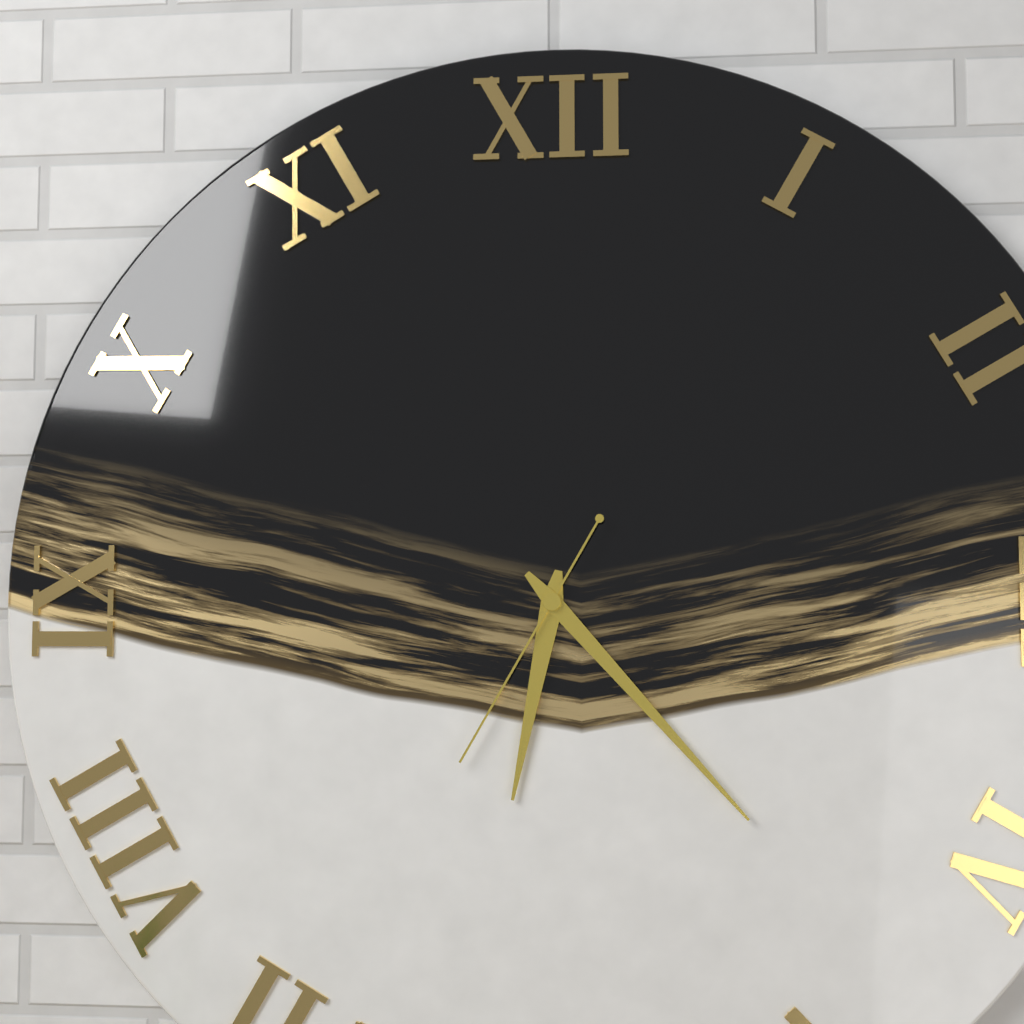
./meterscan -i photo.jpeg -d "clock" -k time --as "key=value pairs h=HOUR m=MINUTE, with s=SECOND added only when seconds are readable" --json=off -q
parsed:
h=6 m=23 s=35
